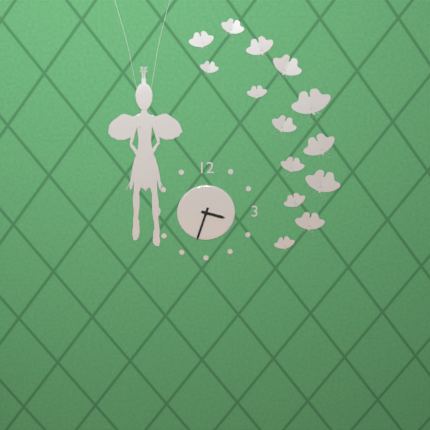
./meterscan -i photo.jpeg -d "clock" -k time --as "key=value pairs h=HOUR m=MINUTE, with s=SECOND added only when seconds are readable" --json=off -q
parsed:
h=3 m=33
